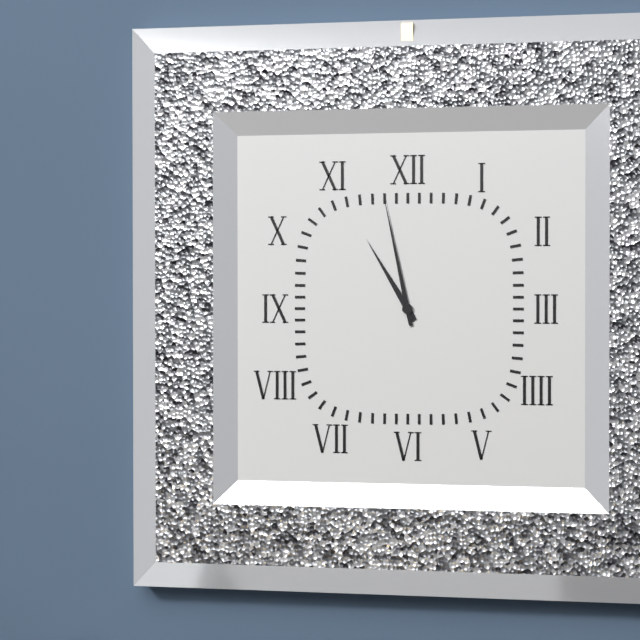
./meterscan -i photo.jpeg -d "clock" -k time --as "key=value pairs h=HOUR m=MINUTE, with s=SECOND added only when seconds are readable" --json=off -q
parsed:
h=10 m=58
